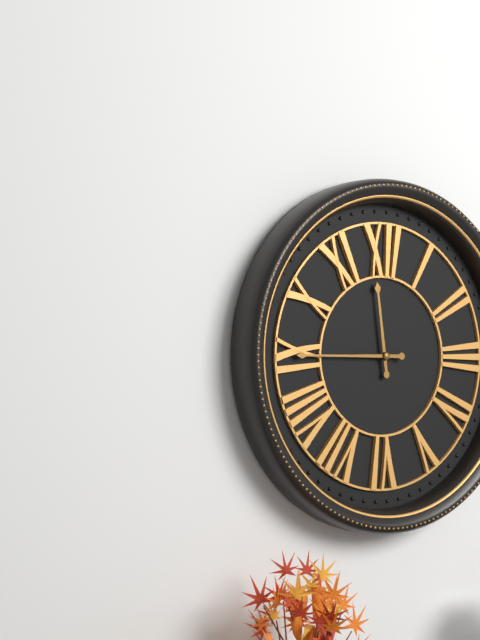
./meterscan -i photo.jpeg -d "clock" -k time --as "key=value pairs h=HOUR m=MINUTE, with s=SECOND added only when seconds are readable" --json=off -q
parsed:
h=11 m=45
